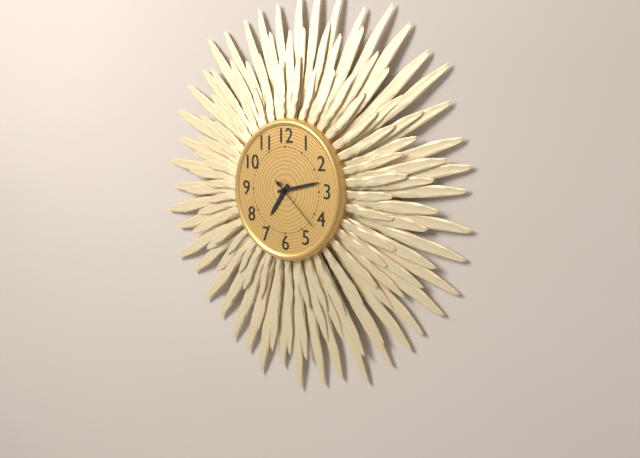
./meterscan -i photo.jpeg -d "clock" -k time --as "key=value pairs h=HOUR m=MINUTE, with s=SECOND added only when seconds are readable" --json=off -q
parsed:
h=7 m=13
